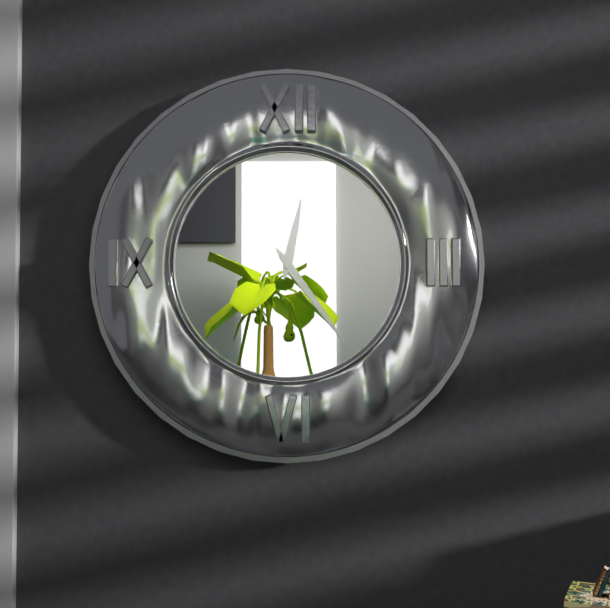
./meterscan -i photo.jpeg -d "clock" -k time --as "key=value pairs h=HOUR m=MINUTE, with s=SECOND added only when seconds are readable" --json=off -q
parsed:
h=12 m=24
